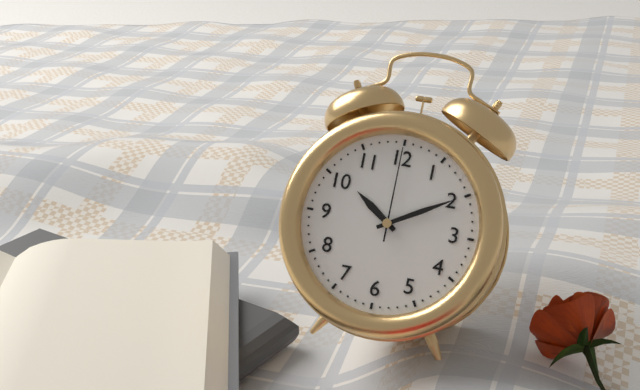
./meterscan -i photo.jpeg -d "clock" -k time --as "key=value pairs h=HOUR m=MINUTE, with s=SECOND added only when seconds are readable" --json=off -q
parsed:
h=10 m=10 s=0
